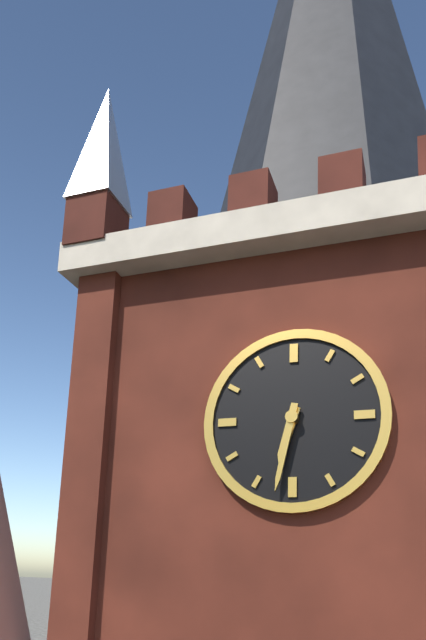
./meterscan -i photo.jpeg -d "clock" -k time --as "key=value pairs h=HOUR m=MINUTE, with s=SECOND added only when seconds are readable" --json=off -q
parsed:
h=6 m=32
